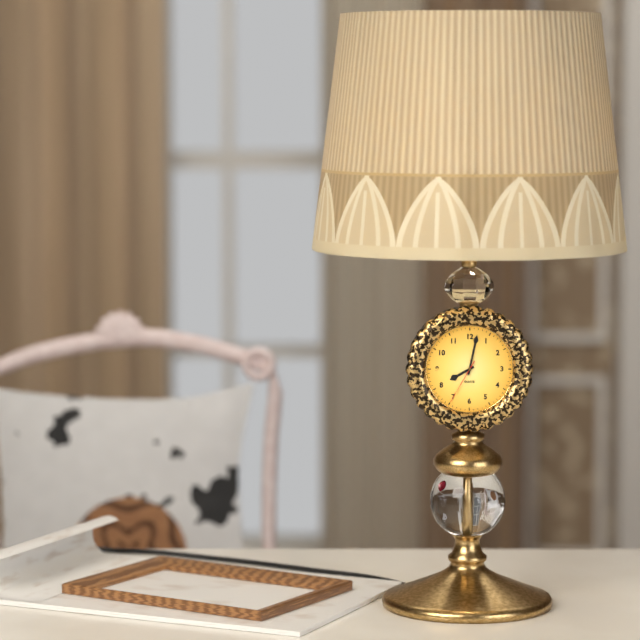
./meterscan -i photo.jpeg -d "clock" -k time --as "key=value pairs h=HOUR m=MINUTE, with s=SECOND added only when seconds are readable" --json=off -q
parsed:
h=8 m=2
